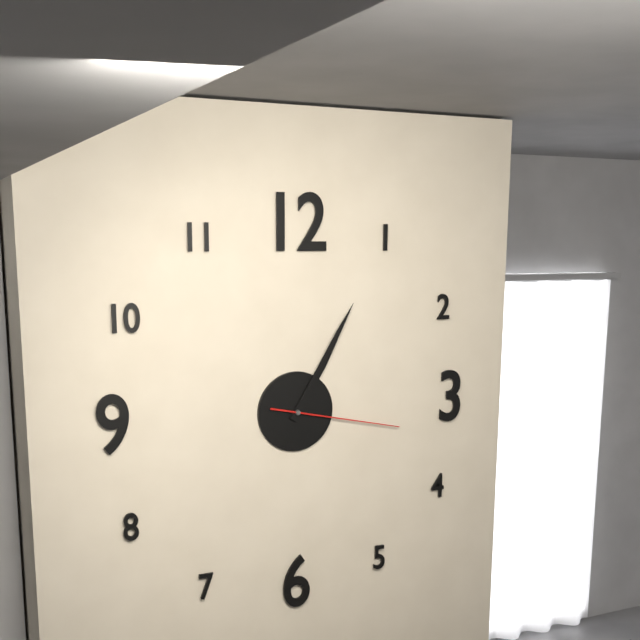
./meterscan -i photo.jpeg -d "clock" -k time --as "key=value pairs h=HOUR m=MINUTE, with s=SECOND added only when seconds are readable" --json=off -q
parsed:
h=1 m=5 s=17
